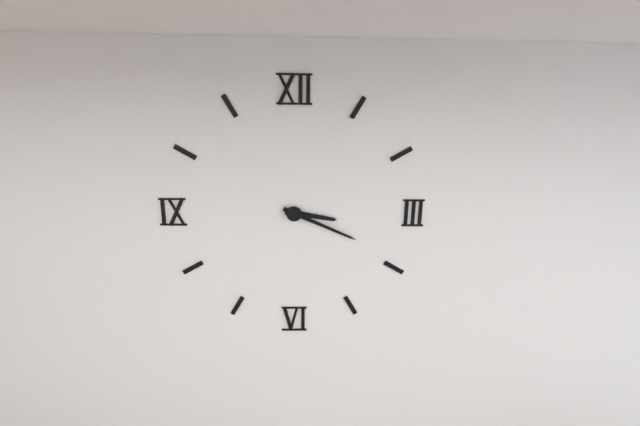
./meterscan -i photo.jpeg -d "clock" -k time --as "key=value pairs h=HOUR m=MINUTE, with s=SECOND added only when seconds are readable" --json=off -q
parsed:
h=3 m=19
